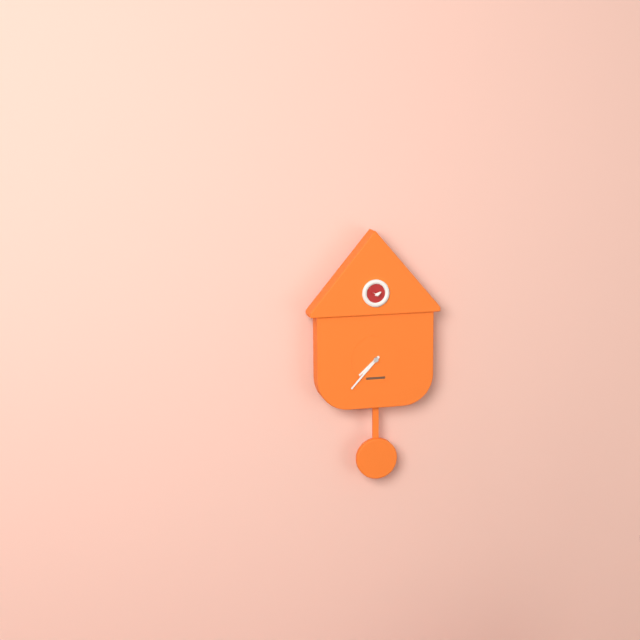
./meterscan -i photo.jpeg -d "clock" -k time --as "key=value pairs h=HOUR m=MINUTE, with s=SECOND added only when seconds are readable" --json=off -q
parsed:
h=7 m=37
